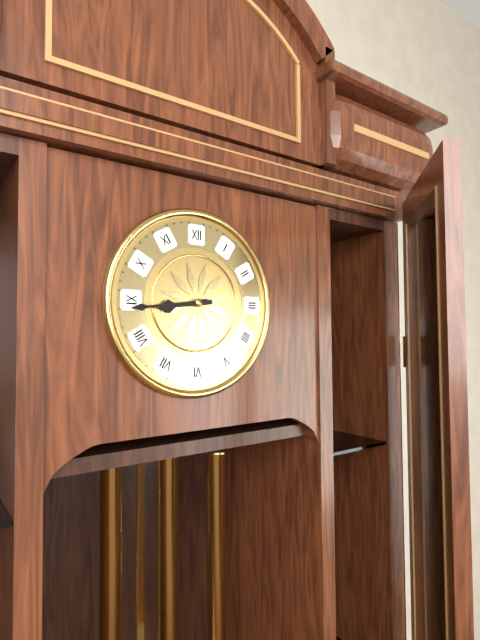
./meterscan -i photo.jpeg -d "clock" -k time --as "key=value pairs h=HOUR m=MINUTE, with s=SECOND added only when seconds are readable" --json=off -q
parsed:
h=8 m=44
